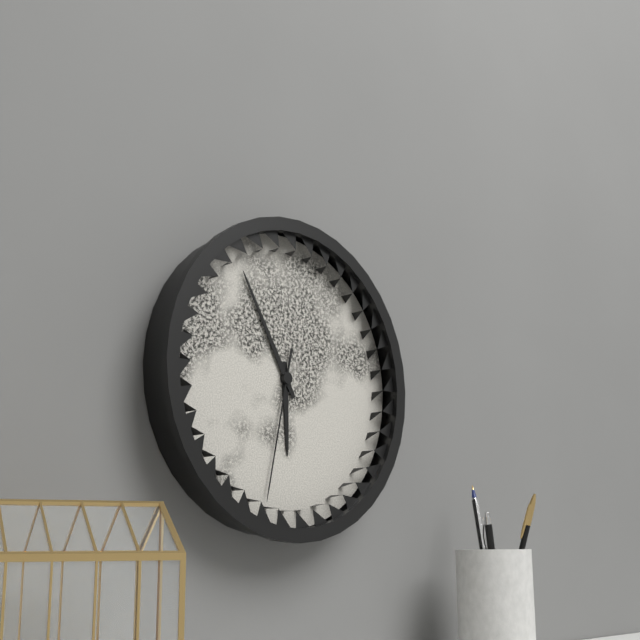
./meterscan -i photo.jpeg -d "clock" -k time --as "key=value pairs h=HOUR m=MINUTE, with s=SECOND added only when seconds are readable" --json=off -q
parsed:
h=5 m=55 s=32
